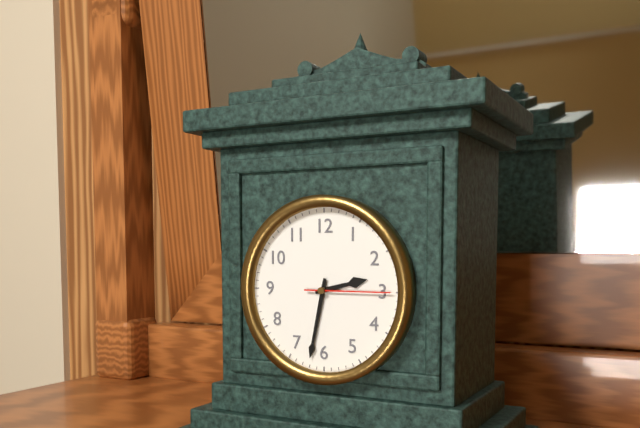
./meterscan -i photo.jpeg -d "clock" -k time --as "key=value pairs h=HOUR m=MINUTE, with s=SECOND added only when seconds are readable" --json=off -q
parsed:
h=2 m=32 s=15
